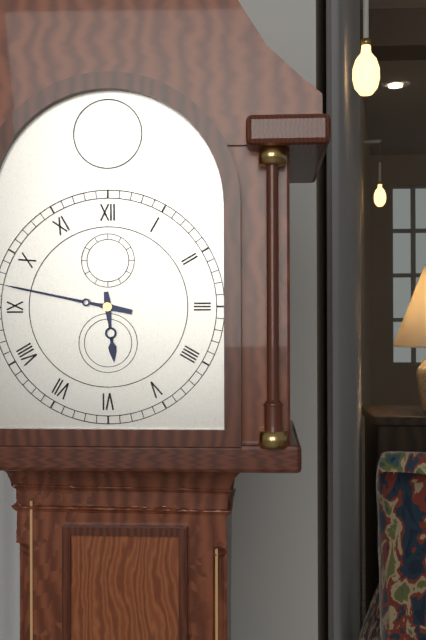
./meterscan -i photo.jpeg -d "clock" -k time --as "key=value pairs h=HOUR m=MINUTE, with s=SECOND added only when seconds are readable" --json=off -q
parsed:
h=5 m=47
